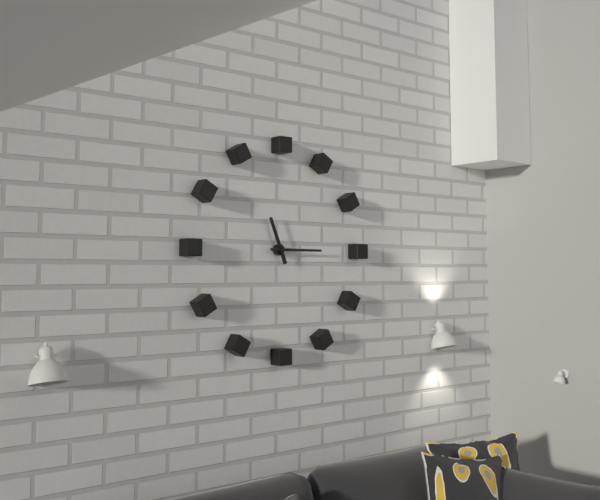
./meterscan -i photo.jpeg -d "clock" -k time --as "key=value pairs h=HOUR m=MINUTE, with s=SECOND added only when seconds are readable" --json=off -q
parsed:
h=11 m=15
